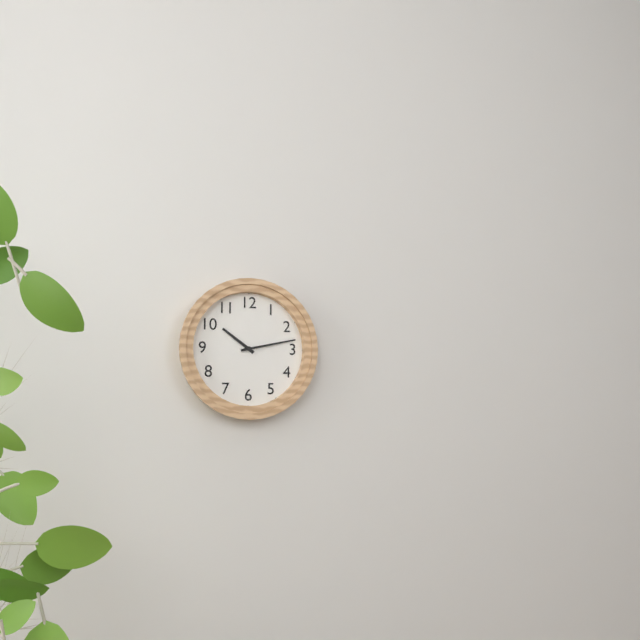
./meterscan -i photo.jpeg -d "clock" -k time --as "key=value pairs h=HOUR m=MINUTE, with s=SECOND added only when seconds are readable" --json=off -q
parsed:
h=10 m=13
